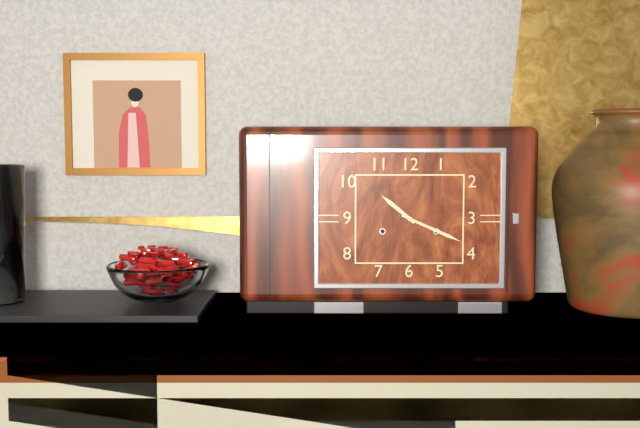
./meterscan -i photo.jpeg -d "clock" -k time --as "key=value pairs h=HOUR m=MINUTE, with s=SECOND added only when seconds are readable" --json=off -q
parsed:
h=10 m=19
